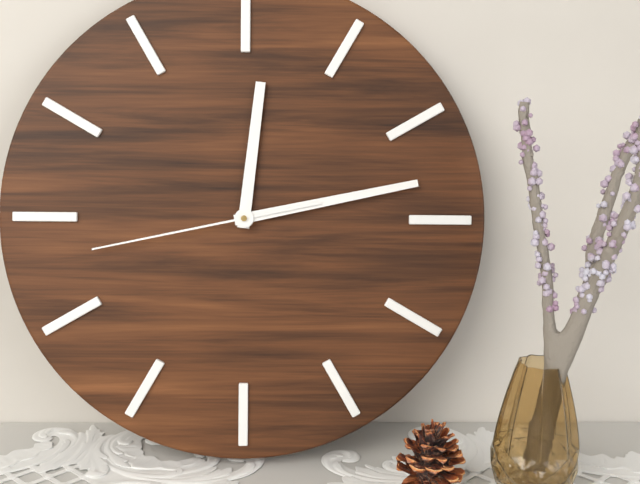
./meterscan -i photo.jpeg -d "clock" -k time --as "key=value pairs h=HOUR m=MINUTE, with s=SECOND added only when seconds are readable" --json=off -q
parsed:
h=12 m=13 s=43
